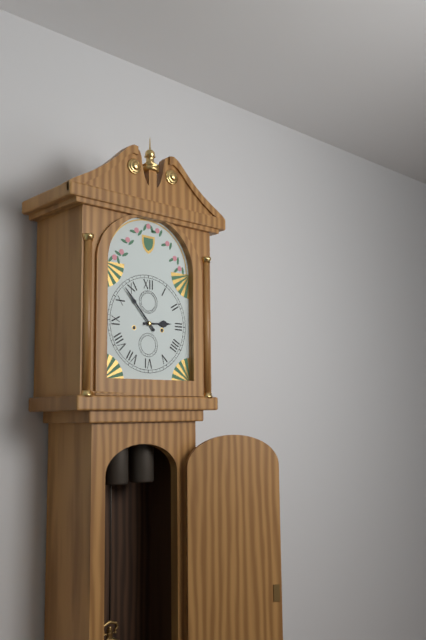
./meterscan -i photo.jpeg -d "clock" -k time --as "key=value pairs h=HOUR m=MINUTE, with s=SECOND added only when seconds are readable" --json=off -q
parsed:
h=2 m=53
